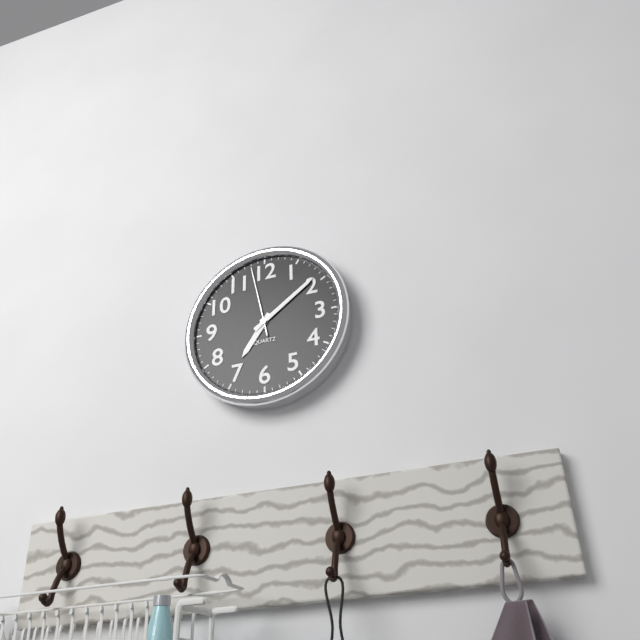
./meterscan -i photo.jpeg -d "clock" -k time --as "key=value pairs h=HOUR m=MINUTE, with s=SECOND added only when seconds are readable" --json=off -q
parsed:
h=7 m=9 s=58
